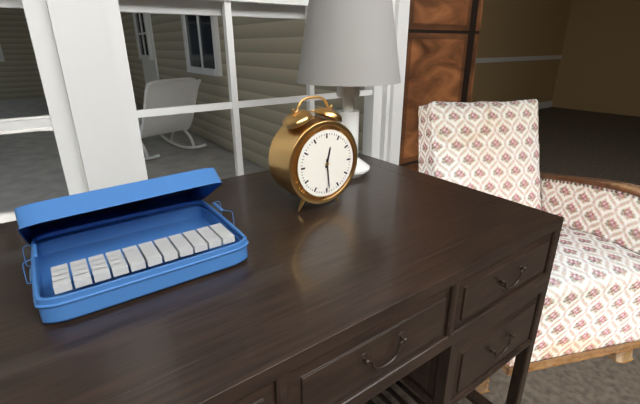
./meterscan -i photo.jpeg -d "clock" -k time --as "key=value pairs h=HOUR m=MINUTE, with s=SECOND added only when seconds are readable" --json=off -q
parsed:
h=12 m=29
